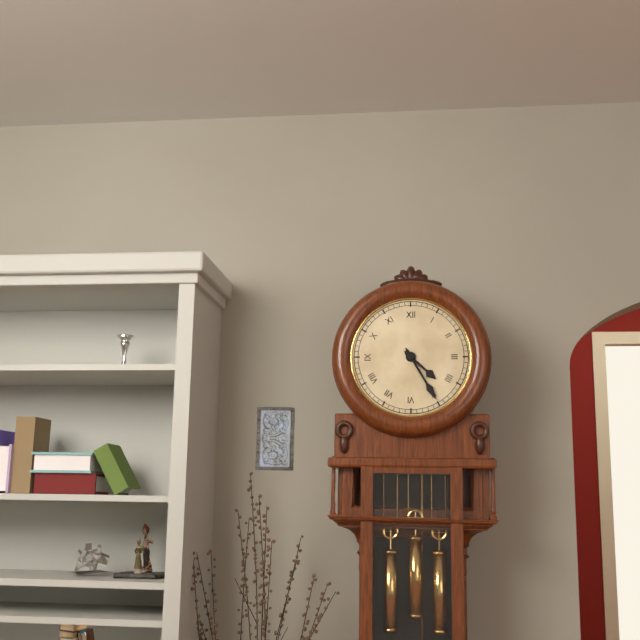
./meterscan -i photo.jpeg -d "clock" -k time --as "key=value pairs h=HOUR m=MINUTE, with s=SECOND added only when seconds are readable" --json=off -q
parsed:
h=4 m=25
